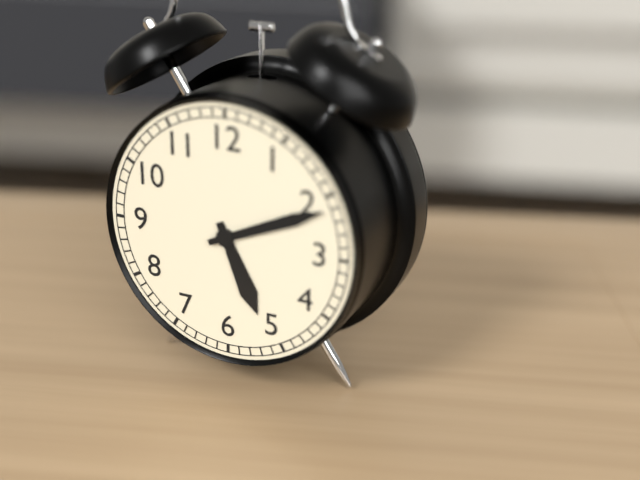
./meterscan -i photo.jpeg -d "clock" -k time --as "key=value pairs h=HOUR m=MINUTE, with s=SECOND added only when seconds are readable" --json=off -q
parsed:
h=5 m=11
